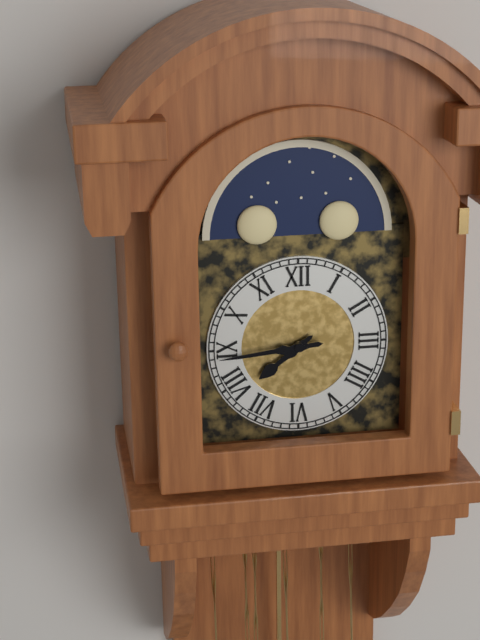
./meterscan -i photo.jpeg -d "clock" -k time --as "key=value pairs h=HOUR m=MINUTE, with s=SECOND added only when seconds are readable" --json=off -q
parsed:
h=7 m=44
